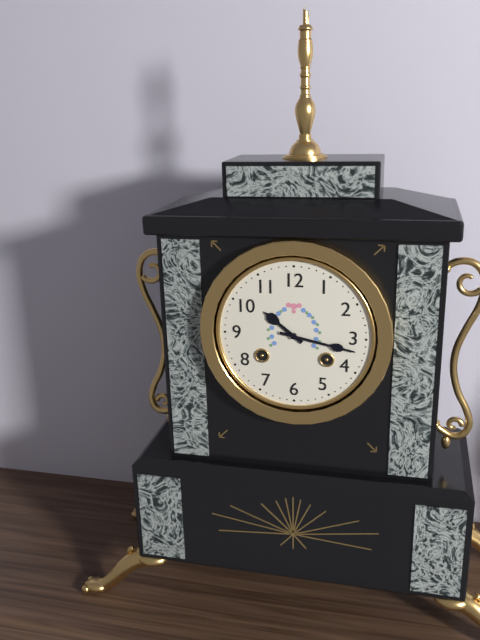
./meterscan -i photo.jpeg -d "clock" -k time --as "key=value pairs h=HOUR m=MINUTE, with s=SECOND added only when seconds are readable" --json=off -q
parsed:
h=10 m=17
